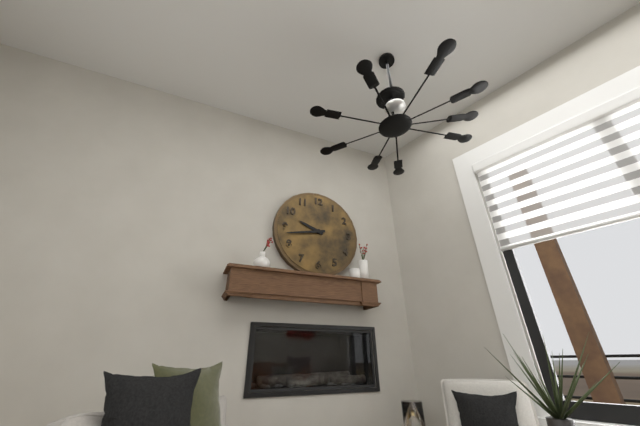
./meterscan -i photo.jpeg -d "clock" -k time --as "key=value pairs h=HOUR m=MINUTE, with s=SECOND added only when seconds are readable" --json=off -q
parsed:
h=9 m=43
